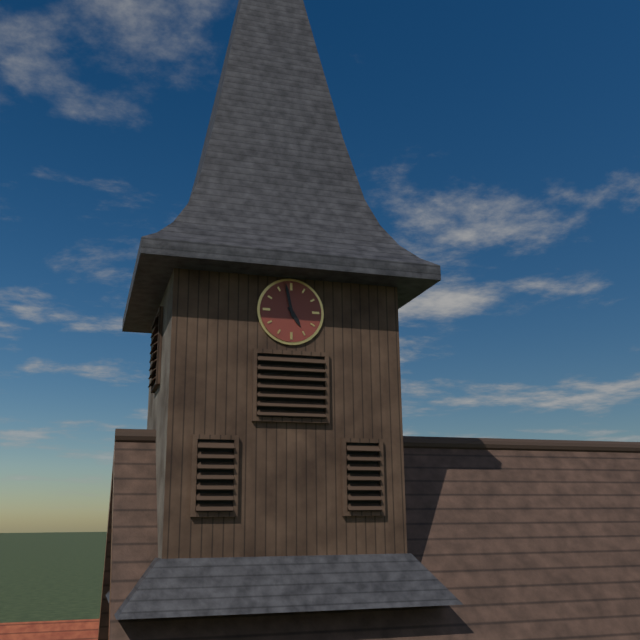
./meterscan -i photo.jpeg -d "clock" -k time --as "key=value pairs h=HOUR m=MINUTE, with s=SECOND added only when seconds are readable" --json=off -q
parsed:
h=4 m=58
